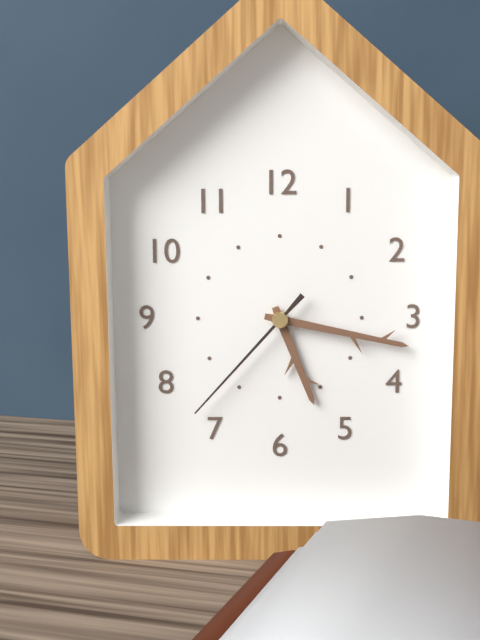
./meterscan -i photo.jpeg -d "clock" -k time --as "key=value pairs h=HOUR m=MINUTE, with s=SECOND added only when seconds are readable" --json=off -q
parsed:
h=5 m=17 s=37
